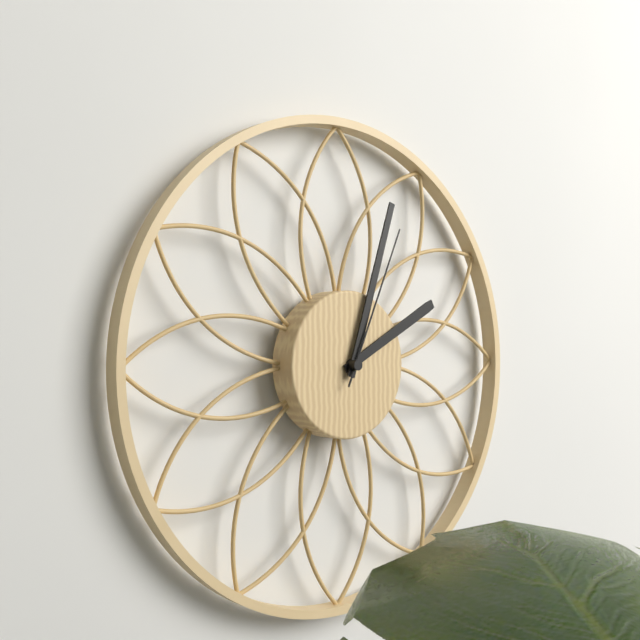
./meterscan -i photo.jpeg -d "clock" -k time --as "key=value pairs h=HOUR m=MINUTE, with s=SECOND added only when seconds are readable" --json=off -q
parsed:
h=2 m=3 s=4
